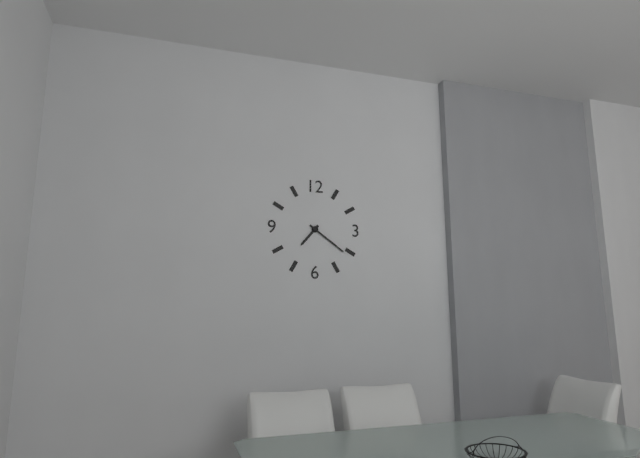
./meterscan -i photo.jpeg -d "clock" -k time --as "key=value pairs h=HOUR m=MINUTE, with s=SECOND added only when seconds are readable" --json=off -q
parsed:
h=7 m=21
